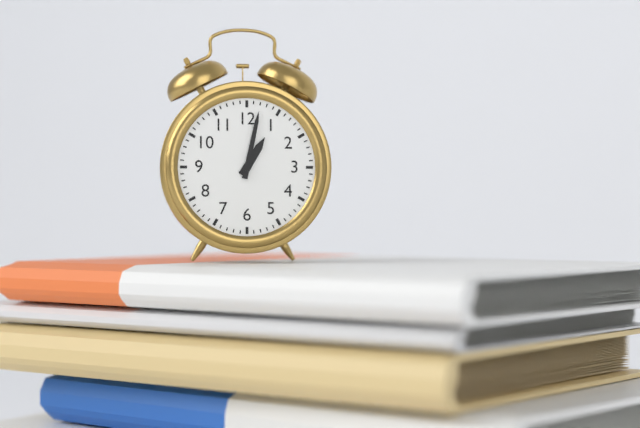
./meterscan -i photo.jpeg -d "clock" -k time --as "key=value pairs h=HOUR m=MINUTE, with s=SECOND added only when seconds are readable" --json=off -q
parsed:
h=1 m=2
